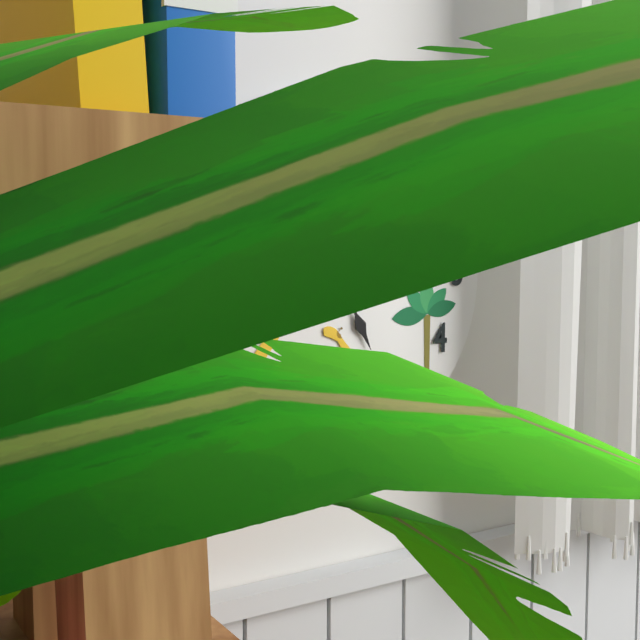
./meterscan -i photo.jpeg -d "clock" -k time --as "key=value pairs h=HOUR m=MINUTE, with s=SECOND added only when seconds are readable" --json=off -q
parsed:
h=5 m=7 s=51
